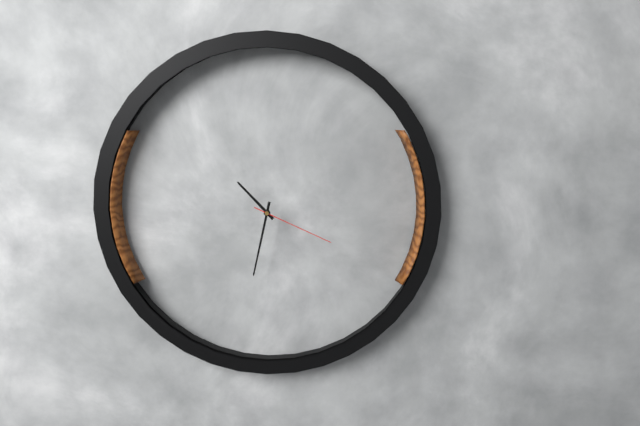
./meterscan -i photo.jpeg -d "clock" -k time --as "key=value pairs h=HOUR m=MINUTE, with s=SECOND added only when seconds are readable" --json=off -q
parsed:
h=10 m=32 s=19
